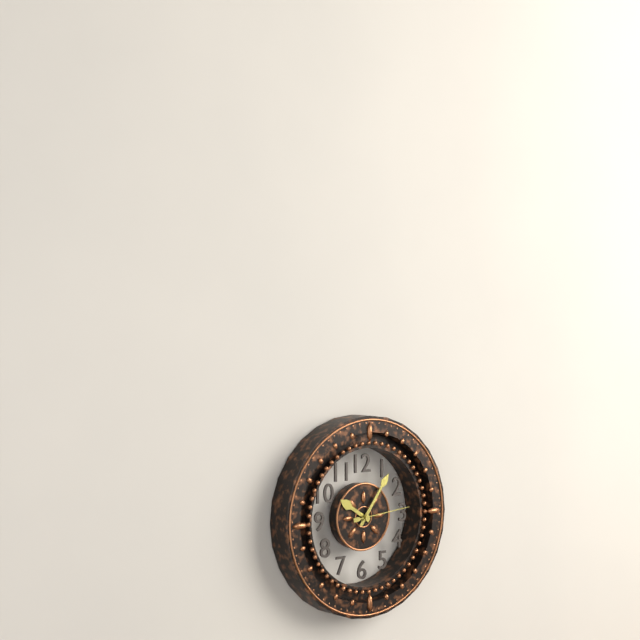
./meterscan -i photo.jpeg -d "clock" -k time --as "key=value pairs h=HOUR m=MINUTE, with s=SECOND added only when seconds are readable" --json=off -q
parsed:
h=10 m=6 s=14
